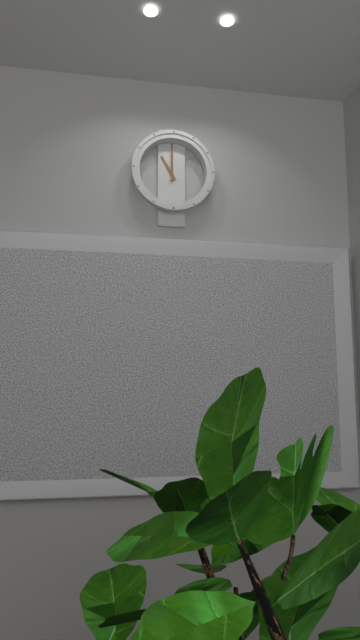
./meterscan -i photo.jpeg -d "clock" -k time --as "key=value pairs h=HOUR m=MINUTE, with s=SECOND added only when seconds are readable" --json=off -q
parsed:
h=11 m=0
